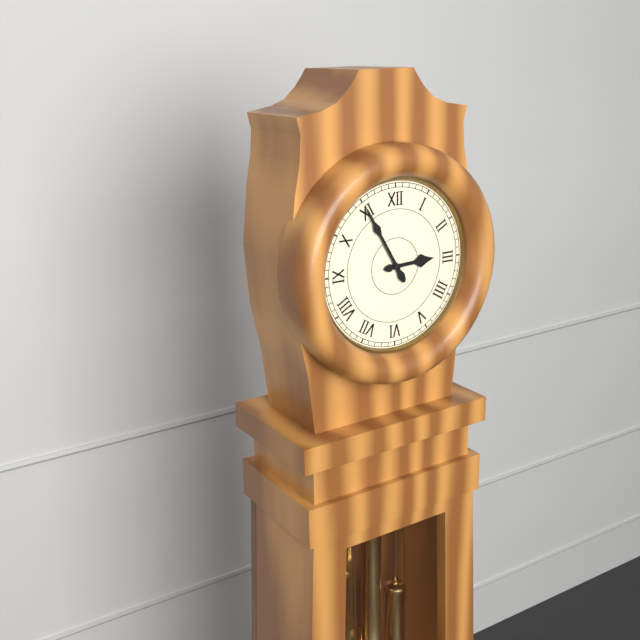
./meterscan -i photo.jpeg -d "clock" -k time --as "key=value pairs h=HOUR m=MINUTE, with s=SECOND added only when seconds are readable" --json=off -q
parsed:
h=2 m=55
